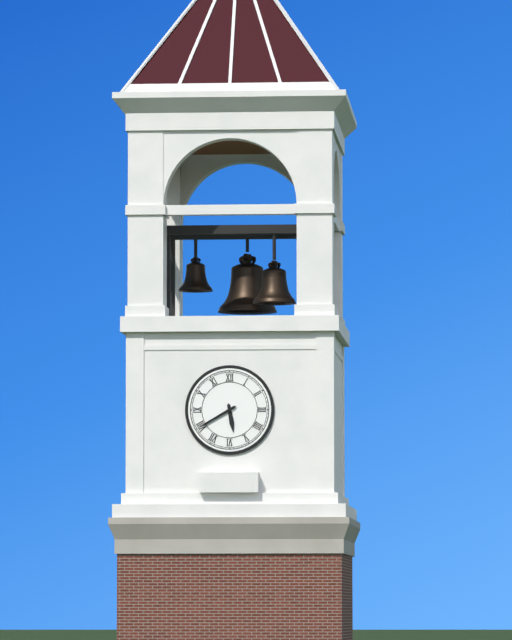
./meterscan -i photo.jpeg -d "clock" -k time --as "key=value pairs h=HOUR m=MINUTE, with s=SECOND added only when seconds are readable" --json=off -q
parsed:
h=5 m=40
